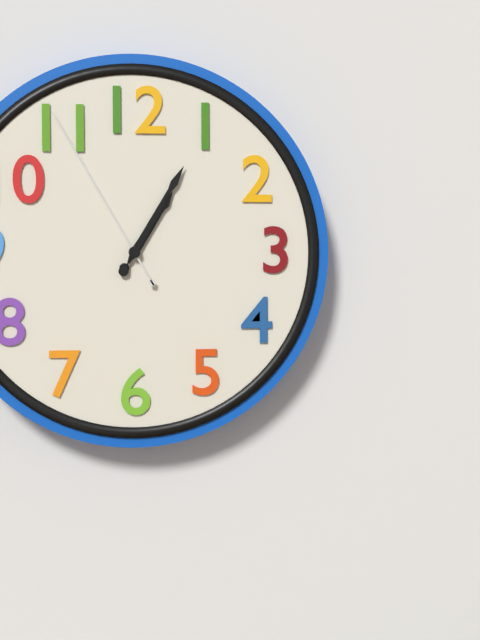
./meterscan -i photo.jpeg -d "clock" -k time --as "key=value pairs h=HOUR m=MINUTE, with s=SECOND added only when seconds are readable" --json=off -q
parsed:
h=1 m=5 s=55
